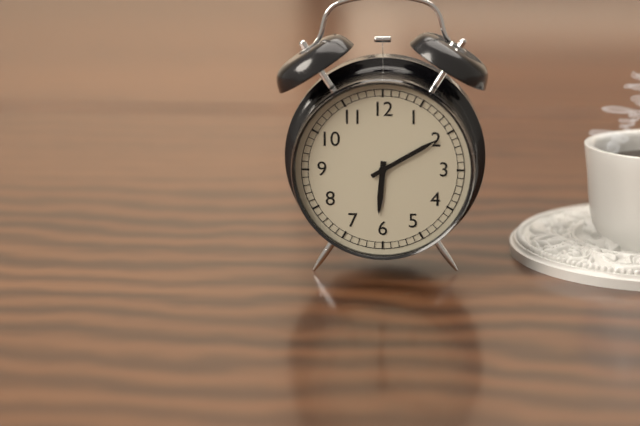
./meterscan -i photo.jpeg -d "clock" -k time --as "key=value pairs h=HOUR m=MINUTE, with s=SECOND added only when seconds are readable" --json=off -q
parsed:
h=6 m=10
